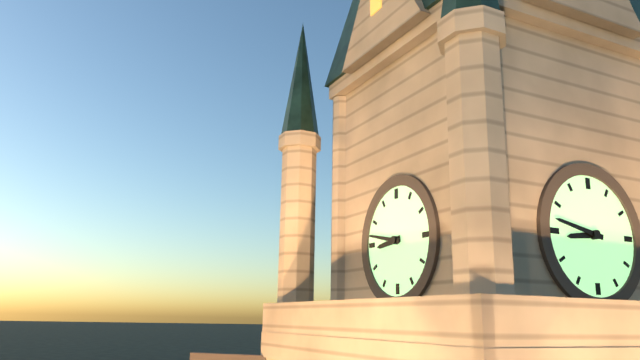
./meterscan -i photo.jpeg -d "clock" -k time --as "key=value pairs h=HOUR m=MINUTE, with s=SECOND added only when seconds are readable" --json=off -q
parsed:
h=8 m=47
